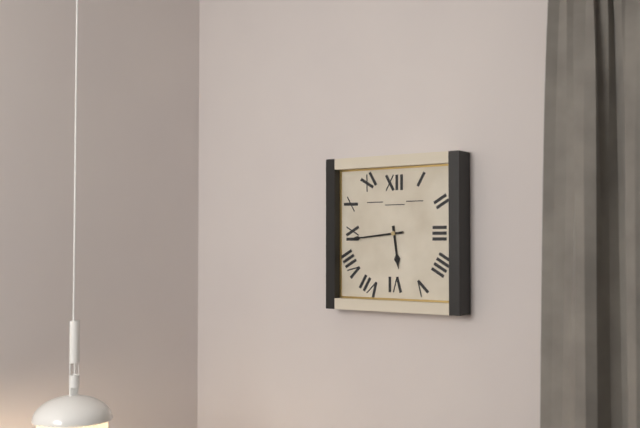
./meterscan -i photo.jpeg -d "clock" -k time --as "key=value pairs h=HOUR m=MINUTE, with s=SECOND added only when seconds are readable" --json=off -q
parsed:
h=5 m=44
